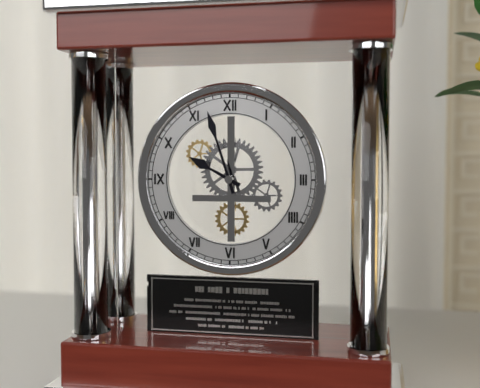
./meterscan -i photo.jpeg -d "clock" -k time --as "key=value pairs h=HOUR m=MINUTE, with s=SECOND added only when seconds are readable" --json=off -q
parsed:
h=9 m=57
